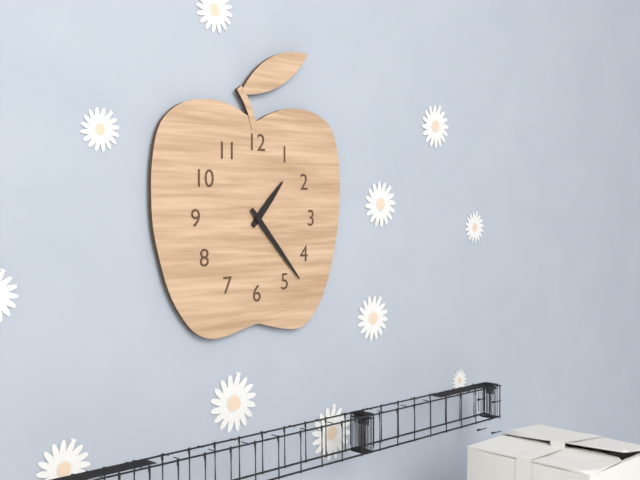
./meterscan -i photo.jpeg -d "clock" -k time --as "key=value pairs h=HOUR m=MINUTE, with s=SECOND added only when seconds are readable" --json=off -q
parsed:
h=1 m=23
